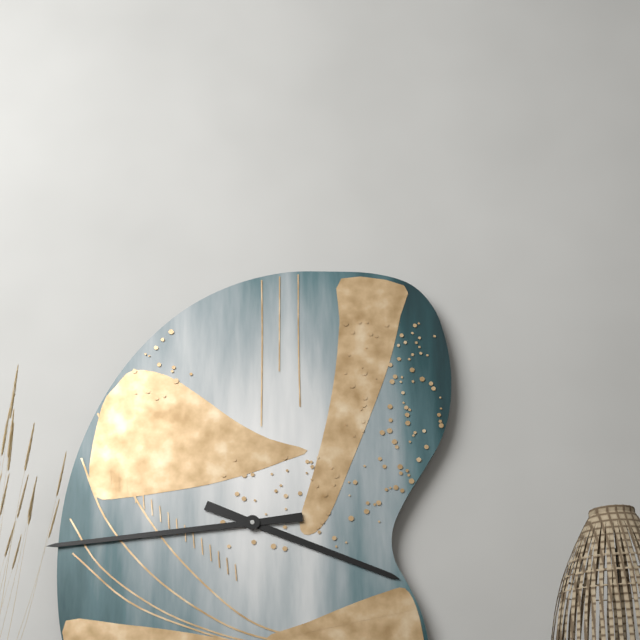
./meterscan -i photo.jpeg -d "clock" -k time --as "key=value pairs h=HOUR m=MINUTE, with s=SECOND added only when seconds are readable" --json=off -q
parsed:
h=3 m=44
